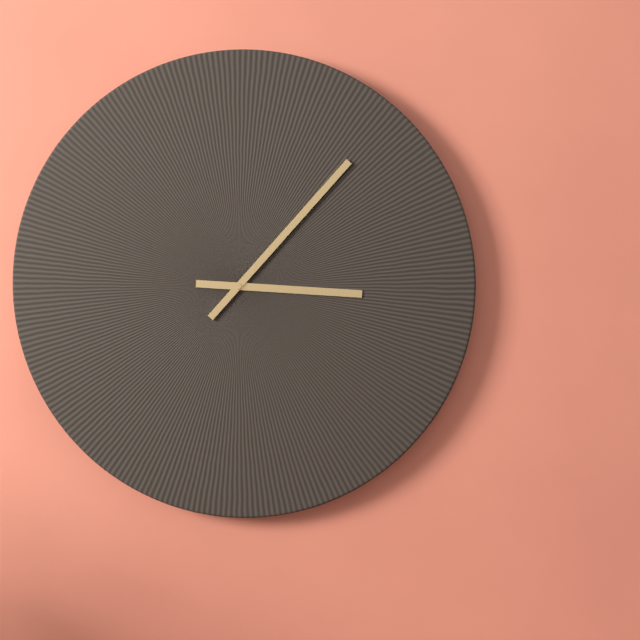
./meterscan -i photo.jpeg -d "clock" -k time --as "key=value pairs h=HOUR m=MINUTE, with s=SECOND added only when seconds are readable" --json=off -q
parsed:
h=3 m=7
